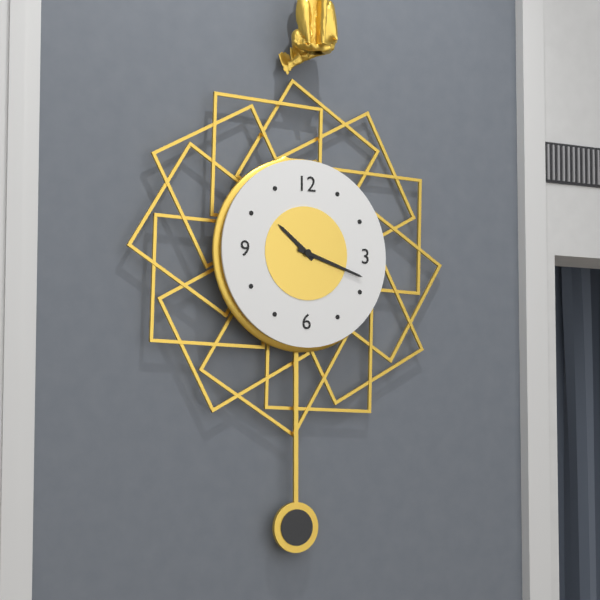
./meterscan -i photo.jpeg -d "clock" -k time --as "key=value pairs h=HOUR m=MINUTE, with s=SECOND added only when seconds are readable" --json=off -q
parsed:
h=10 m=18
